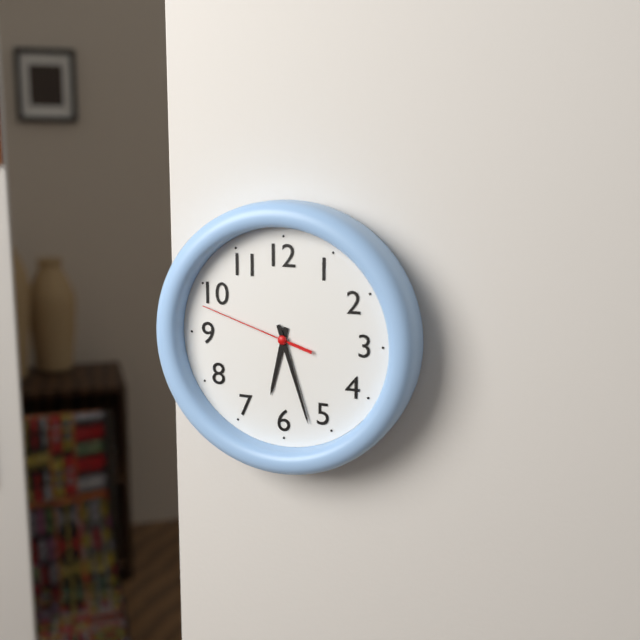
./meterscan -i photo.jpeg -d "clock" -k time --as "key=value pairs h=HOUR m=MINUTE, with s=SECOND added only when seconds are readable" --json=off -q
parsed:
h=6 m=27 s=48
